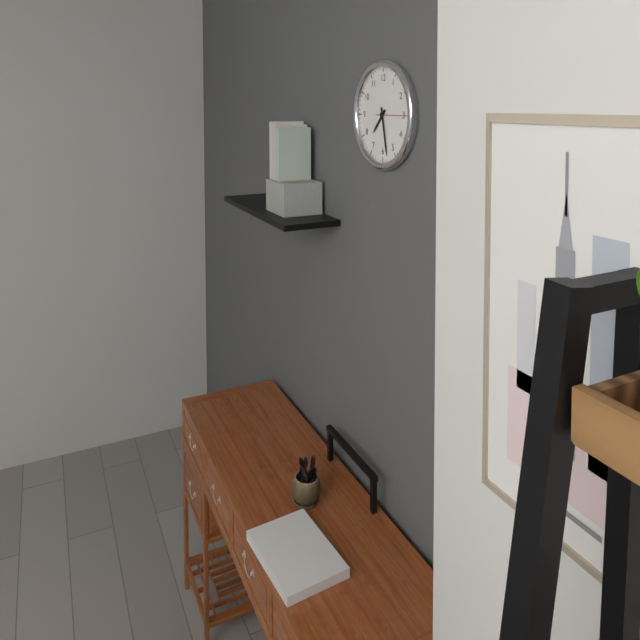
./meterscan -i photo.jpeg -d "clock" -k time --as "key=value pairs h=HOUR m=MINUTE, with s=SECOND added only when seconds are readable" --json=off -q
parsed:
h=7 m=28
